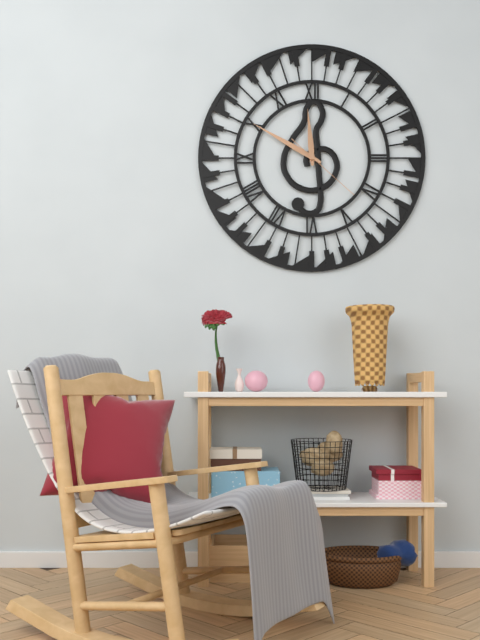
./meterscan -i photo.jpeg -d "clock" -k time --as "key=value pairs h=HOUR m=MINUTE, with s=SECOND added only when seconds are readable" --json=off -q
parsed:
h=11 m=50 s=22
